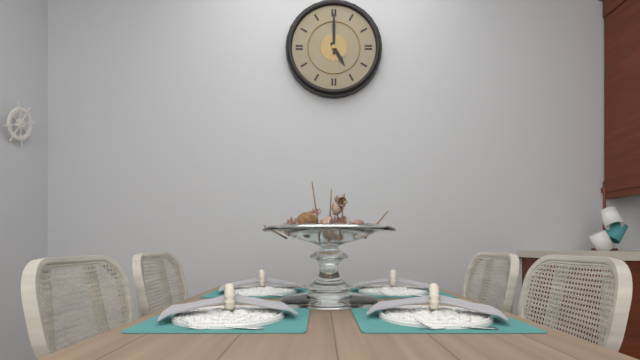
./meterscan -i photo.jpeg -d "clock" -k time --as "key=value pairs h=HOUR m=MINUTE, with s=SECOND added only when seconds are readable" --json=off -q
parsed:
h=5 m=0
